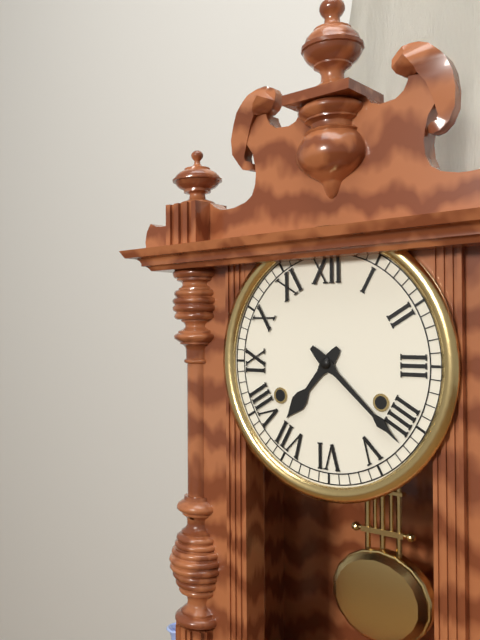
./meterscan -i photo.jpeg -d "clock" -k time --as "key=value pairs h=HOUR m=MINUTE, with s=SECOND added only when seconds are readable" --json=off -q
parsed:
h=7 m=22
